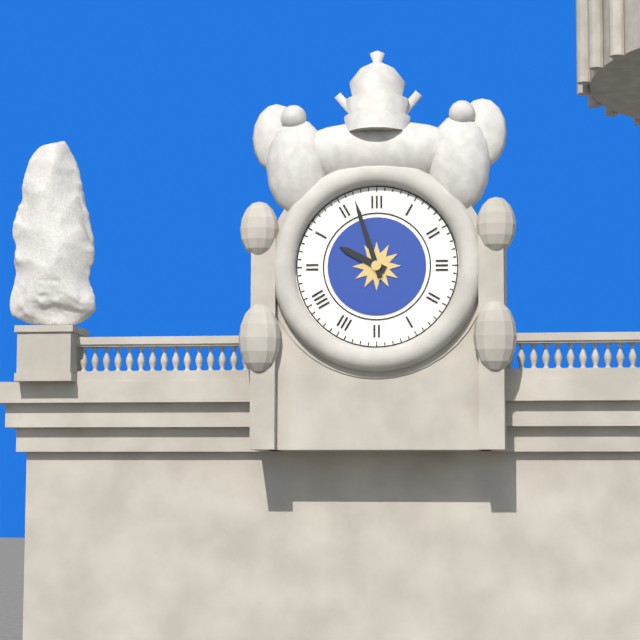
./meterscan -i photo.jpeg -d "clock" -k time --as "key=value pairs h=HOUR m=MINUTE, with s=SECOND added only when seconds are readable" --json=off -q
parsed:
h=9 m=57
